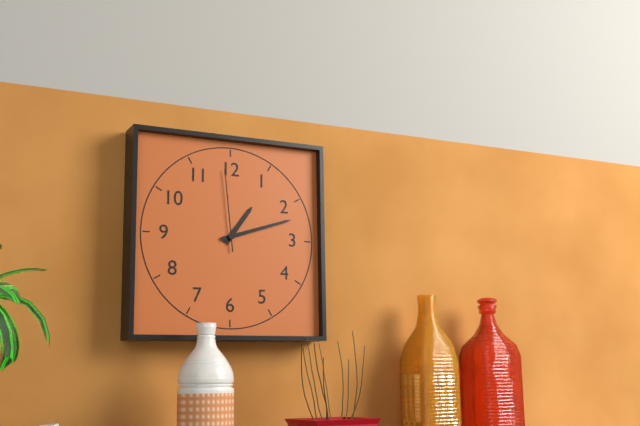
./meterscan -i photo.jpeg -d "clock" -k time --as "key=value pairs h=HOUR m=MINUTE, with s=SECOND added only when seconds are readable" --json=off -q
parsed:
h=1 m=12 s=59
